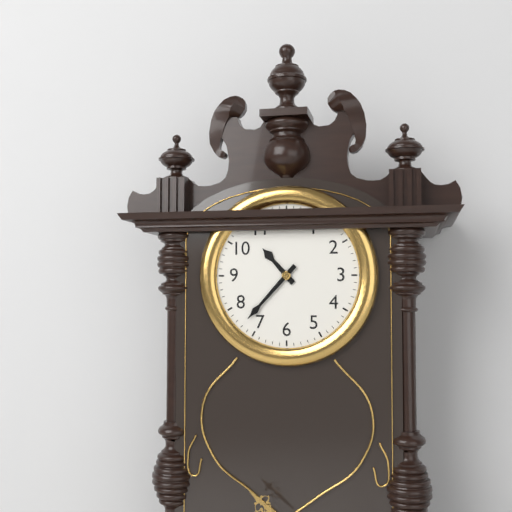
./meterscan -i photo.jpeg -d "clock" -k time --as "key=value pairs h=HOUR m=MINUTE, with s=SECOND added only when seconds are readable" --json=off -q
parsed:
h=10 m=37
